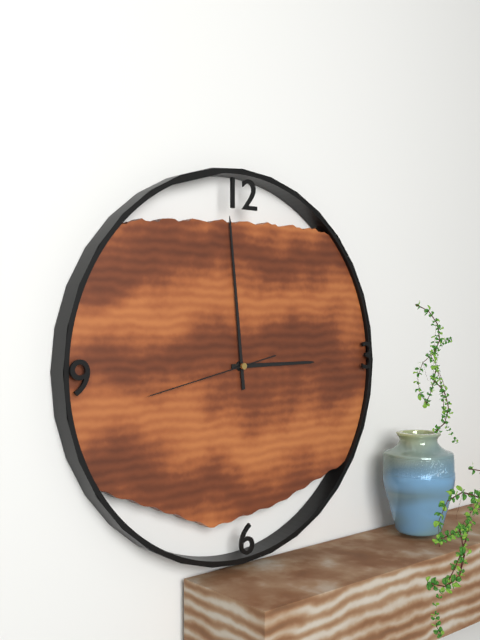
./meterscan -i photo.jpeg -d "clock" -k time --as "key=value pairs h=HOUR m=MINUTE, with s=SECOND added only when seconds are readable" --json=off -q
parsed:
h=2 m=59 s=43
